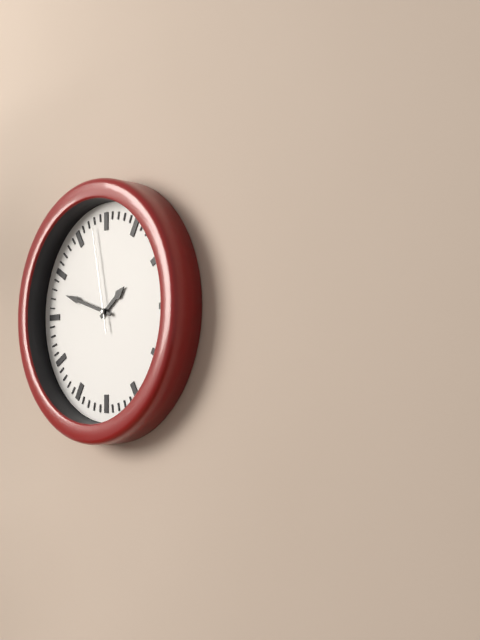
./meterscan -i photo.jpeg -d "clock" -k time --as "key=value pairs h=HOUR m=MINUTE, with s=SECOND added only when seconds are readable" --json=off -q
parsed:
h=1 m=48 s=58
